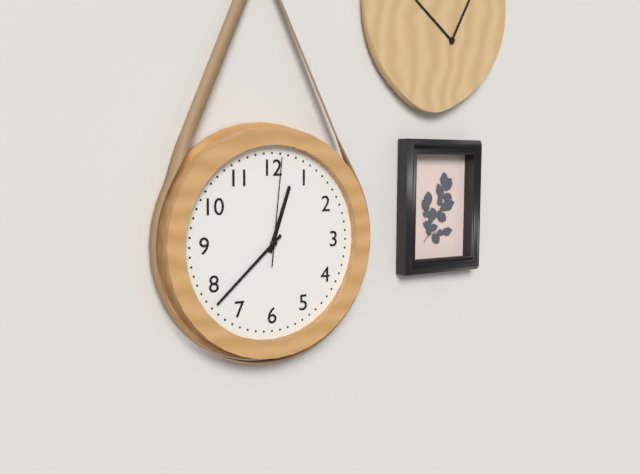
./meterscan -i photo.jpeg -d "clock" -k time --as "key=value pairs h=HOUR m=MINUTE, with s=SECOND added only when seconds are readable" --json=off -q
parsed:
h=12 m=38 s=1
